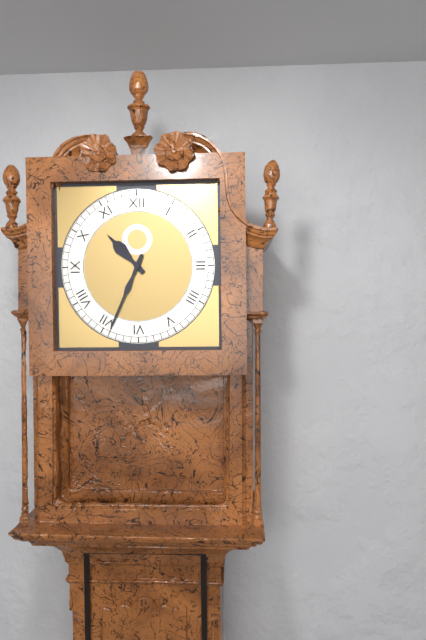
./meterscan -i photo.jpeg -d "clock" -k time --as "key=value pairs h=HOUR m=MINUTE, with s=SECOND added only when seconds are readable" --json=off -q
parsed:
h=10 m=34
